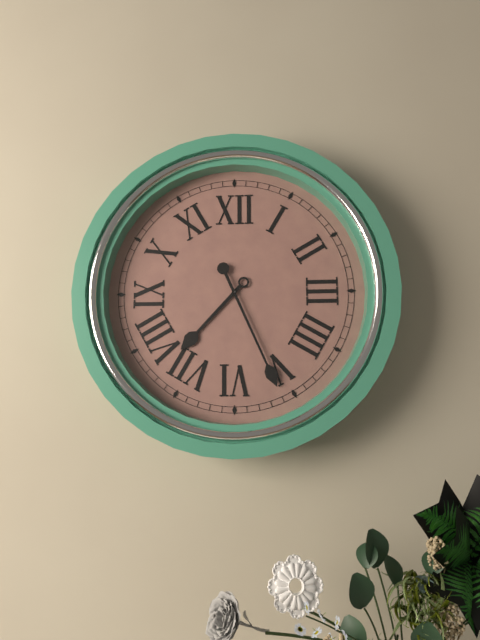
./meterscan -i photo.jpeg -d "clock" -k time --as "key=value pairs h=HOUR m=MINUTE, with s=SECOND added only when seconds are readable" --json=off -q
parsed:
h=7 m=26
